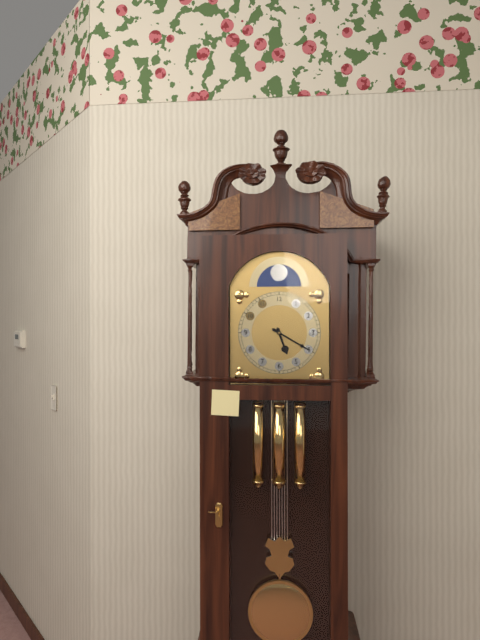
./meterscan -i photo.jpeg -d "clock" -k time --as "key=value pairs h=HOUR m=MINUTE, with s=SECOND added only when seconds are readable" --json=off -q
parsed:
h=5 m=20
